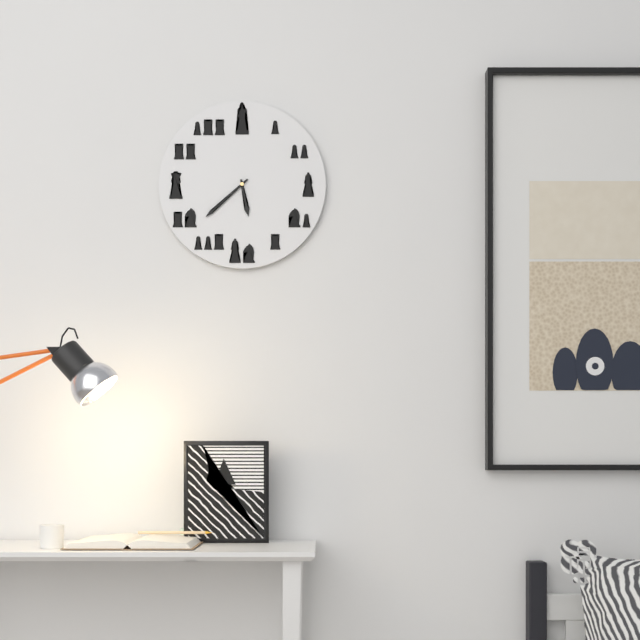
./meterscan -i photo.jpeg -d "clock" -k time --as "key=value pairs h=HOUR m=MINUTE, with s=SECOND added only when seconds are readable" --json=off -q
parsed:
h=5 m=38
